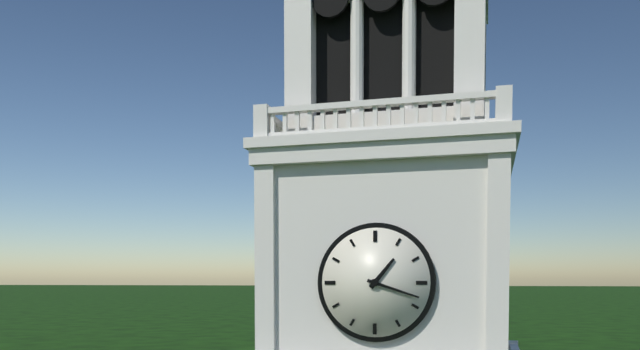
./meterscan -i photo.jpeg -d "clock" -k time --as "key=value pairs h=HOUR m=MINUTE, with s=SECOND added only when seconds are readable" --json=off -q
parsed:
h=1 m=18
